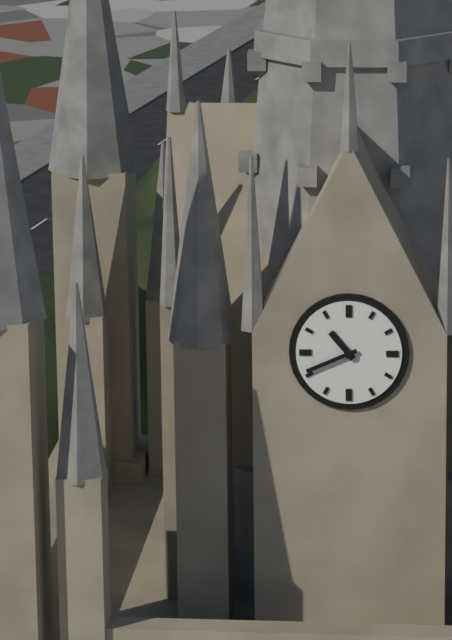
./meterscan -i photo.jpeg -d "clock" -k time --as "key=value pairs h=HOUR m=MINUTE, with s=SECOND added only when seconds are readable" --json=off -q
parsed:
h=10 m=41
